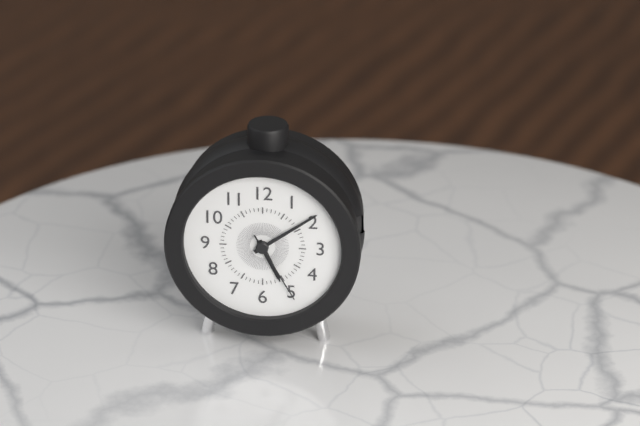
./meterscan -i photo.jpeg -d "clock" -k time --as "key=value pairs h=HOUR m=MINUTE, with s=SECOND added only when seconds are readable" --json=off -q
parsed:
h=5 m=9 s=25
